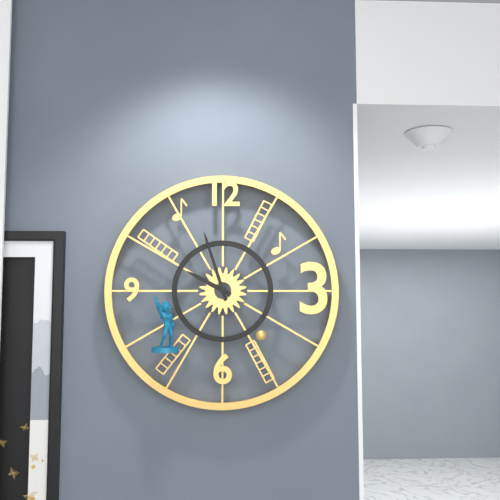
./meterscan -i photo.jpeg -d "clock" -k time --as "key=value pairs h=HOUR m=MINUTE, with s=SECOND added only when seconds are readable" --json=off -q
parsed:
h=9 m=57
